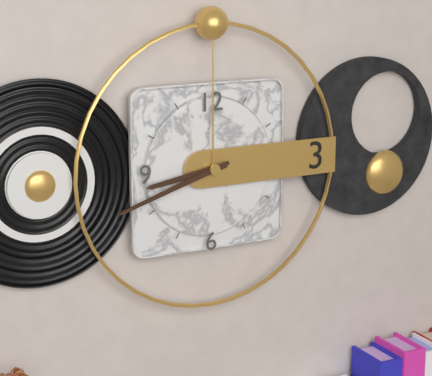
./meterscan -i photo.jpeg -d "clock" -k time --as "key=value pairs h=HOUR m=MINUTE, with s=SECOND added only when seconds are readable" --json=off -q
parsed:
h=8 m=42
